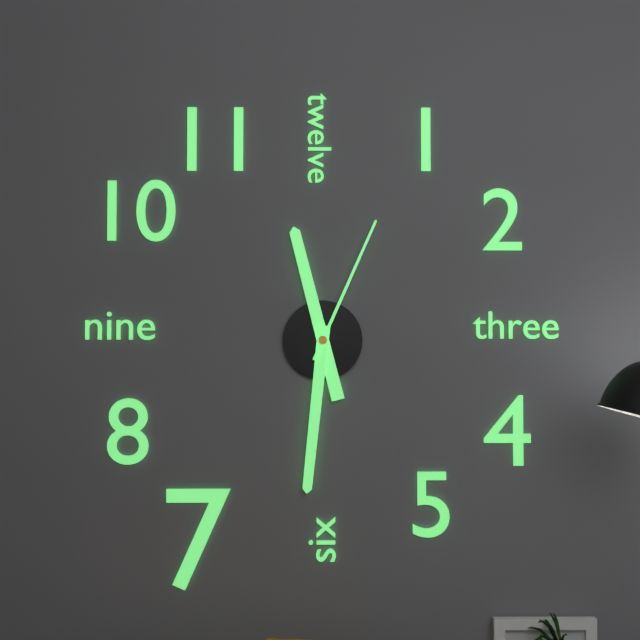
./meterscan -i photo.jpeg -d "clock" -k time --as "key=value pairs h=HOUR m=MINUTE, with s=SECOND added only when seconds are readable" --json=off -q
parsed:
h=11 m=31 s=4
